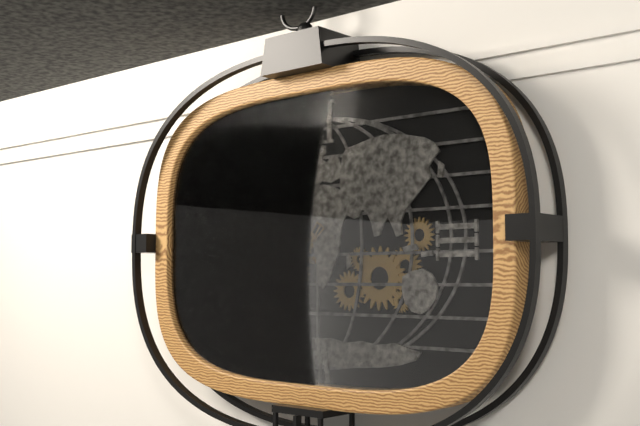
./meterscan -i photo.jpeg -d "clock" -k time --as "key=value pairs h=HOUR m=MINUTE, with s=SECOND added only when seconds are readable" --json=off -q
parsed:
h=7 m=36
